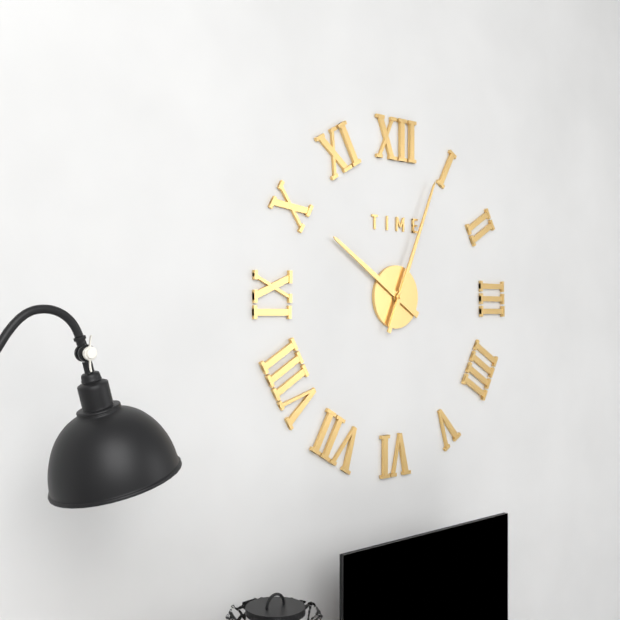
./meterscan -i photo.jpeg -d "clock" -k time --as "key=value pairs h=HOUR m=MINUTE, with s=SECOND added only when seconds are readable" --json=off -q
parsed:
h=10 m=4
